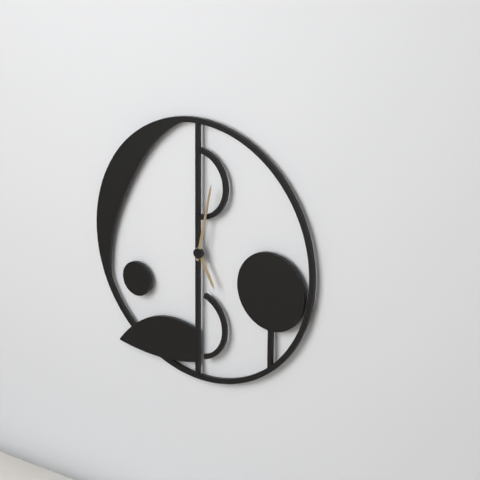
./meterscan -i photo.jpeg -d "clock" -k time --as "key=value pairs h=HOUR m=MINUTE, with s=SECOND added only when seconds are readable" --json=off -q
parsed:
h=5 m=2
